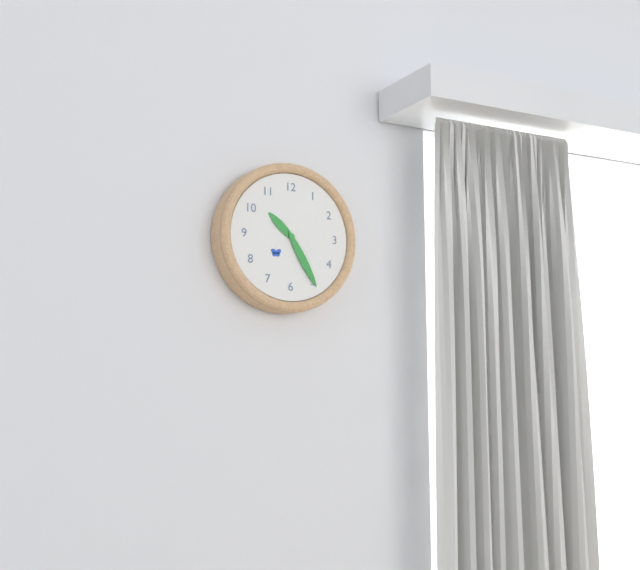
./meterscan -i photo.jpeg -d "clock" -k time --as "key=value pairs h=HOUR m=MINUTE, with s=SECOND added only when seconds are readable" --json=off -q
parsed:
h=10 m=25
